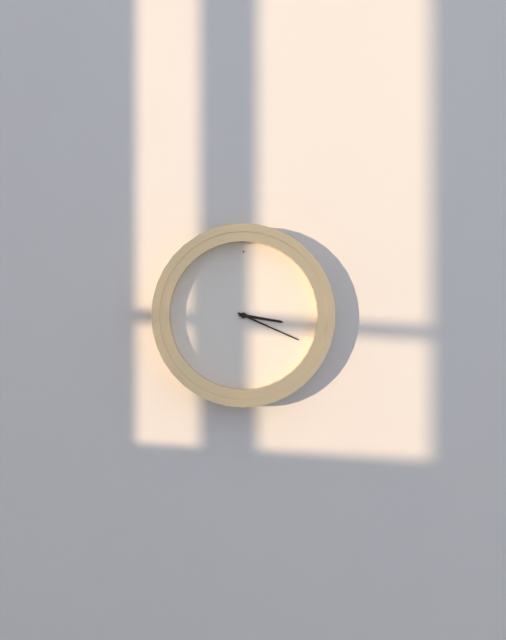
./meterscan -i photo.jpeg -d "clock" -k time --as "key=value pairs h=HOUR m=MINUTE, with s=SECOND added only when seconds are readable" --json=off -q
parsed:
h=3 m=19
